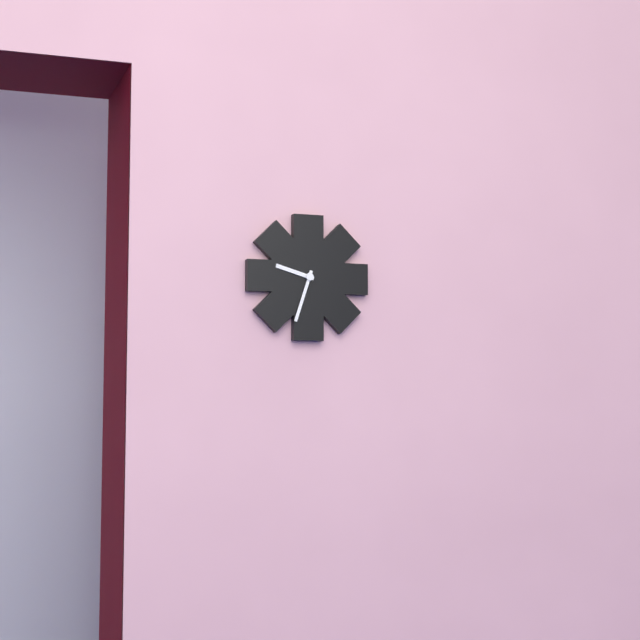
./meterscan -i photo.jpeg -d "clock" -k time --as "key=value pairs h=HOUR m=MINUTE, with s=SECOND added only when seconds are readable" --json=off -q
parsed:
h=9 m=33
